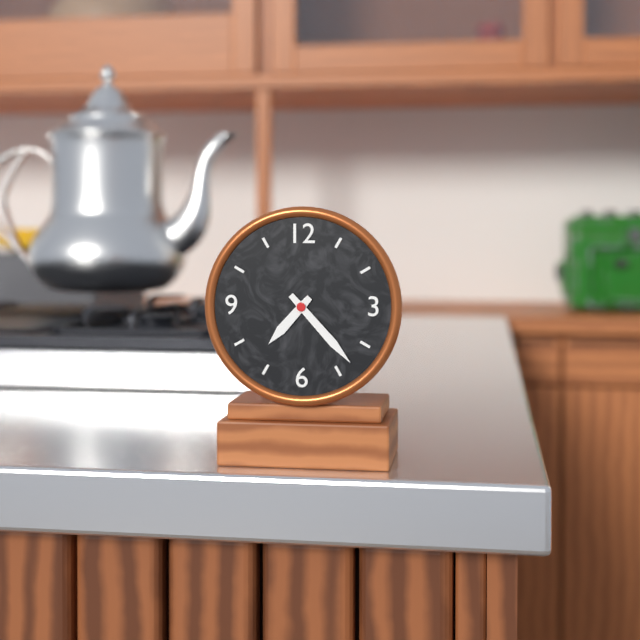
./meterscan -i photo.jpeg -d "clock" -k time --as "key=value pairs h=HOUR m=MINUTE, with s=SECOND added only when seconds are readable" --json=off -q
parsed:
h=7 m=23
